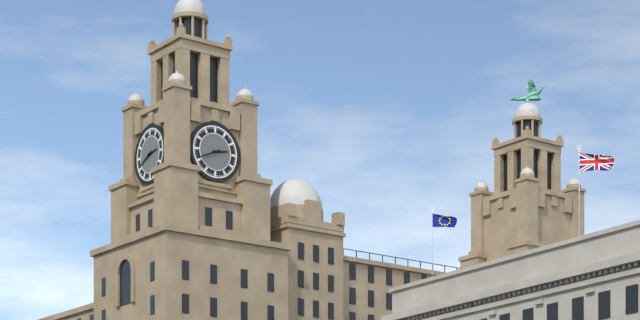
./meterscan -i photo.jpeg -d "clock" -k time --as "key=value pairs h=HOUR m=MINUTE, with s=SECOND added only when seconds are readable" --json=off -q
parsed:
h=2 m=41
